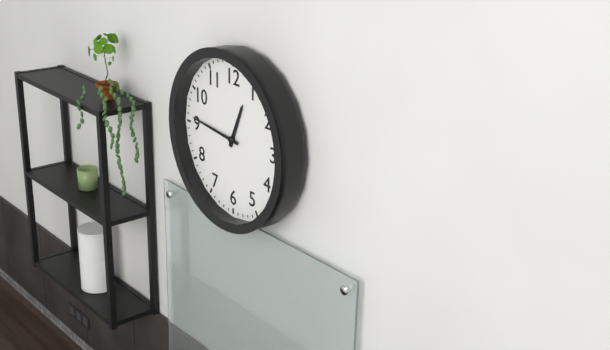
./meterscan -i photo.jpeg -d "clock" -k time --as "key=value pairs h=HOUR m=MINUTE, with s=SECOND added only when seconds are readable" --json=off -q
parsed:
h=12 m=46
